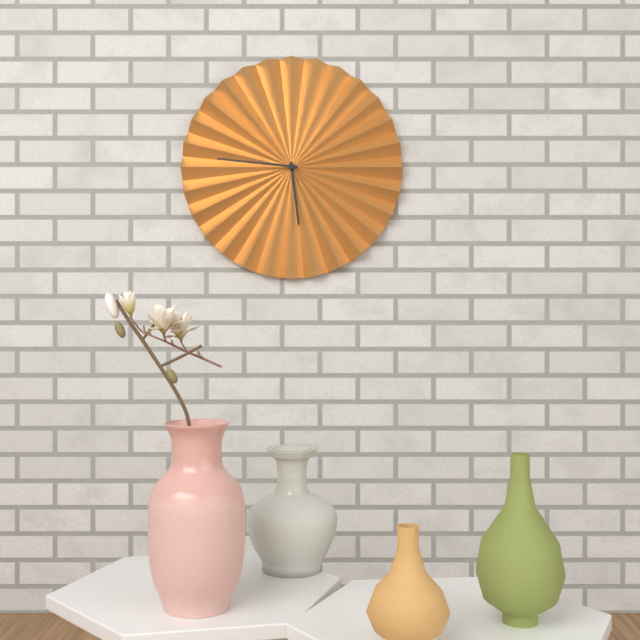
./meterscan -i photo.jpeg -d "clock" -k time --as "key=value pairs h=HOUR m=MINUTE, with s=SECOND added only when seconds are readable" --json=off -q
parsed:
h=5 m=46
